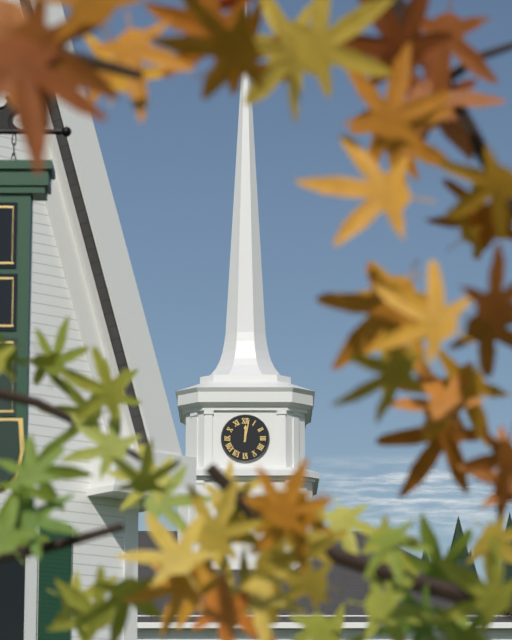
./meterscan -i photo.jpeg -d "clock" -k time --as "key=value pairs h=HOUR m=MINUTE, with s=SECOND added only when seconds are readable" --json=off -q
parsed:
h=12 m=2
